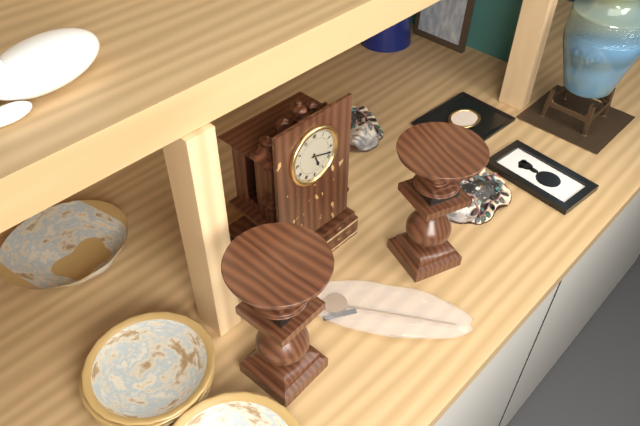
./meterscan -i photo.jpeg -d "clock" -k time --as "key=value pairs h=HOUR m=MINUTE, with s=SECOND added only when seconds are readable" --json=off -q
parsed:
h=5 m=18
